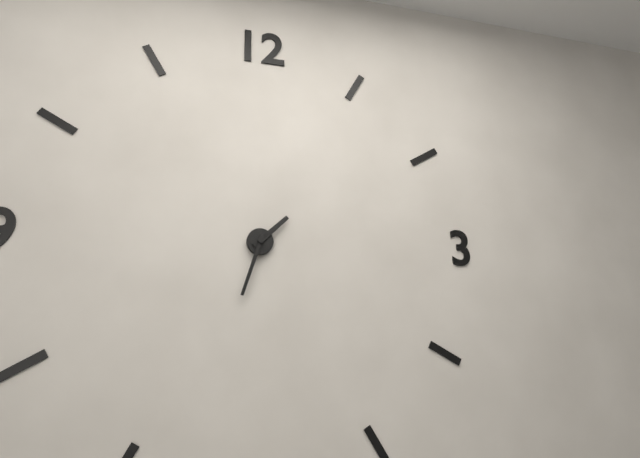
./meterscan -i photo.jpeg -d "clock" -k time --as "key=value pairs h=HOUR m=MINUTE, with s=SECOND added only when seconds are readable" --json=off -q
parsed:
h=1 m=33
